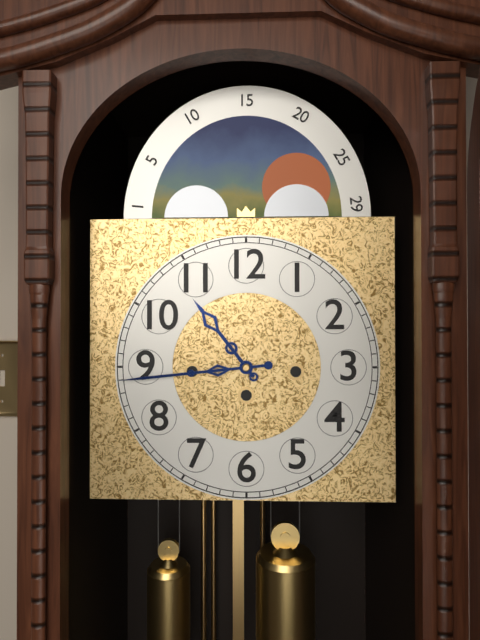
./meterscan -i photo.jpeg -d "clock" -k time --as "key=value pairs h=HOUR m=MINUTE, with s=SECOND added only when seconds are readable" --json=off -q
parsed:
h=10 m=44
